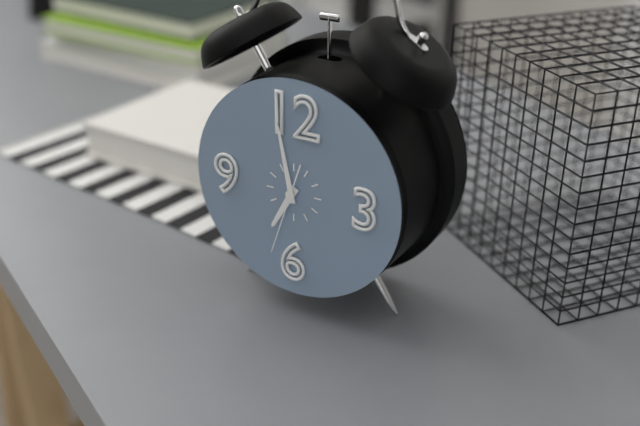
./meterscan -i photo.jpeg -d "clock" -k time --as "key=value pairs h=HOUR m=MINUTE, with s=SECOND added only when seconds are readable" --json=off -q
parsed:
h=6 m=58 s=33
